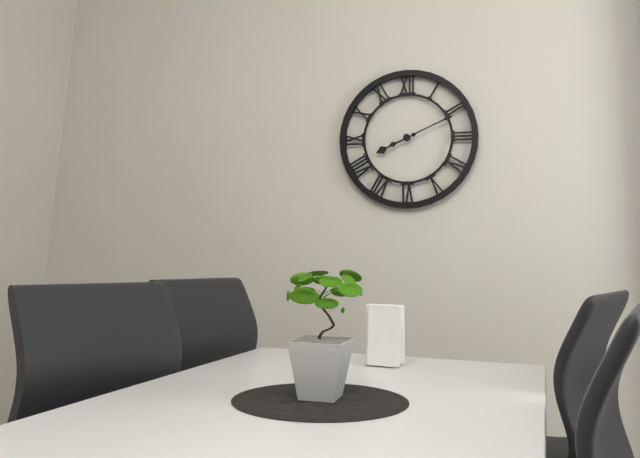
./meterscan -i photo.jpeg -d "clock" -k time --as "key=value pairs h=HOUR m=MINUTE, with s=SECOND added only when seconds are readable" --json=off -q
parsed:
h=8 m=11
